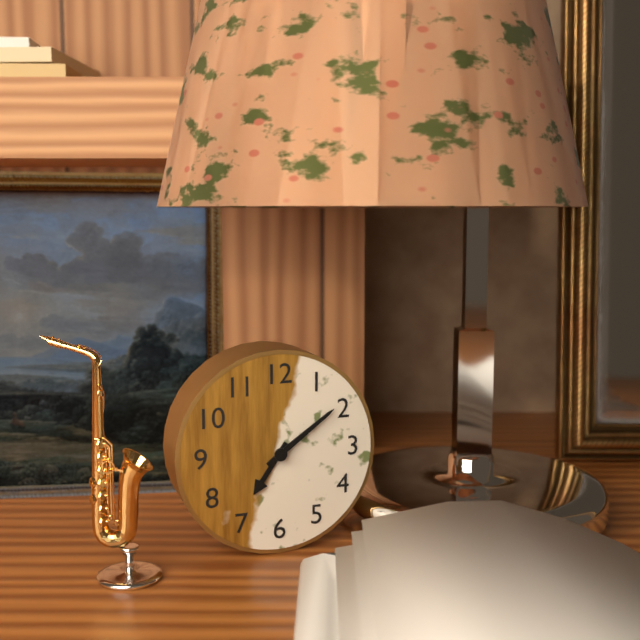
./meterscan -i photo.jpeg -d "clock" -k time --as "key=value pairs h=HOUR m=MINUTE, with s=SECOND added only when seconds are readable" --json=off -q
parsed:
h=7 m=9
